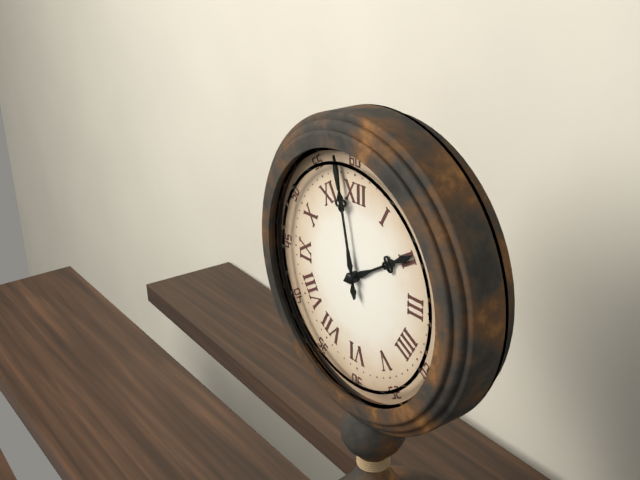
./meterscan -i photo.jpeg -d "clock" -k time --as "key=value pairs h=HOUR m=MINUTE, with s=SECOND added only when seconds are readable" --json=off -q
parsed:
h=1 m=58
